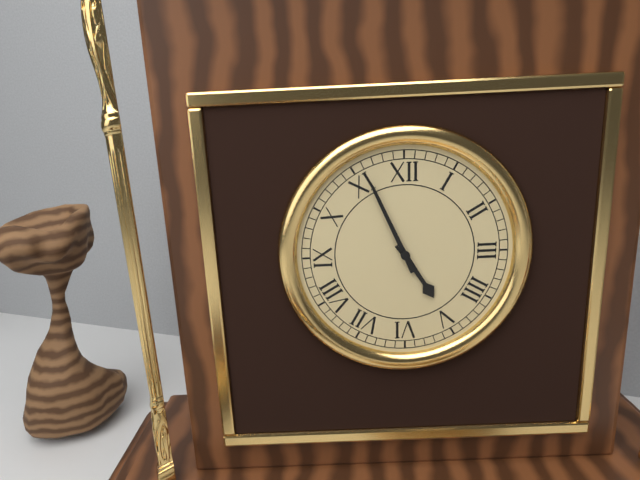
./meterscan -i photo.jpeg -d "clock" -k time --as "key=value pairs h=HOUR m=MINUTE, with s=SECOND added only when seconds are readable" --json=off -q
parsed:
h=4 m=56
